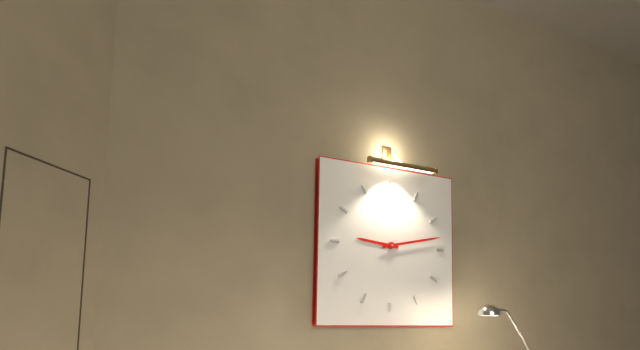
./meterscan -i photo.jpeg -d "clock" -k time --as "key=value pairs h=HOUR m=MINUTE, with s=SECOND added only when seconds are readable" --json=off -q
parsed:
h=9 m=13
